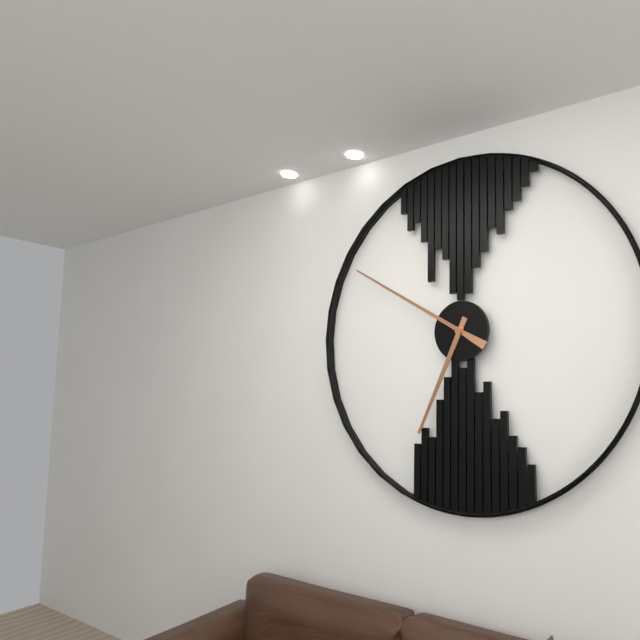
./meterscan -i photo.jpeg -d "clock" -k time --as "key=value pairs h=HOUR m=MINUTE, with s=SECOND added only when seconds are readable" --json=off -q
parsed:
h=6 m=50
